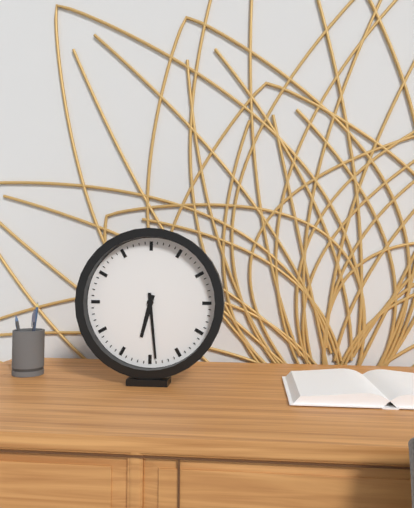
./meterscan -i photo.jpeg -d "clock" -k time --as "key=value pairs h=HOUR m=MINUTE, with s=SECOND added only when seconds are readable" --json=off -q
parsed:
h=6 m=29
